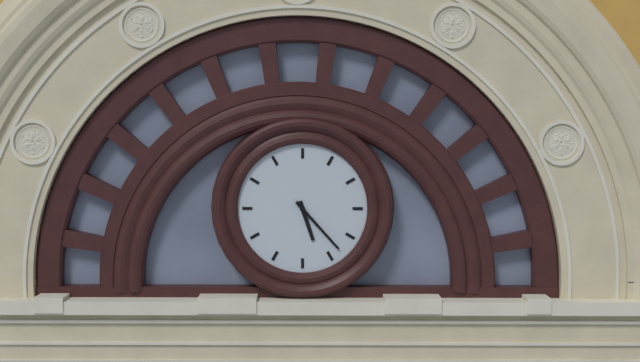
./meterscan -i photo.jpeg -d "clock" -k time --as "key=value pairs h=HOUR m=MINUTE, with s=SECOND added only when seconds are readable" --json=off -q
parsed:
h=5 m=23
